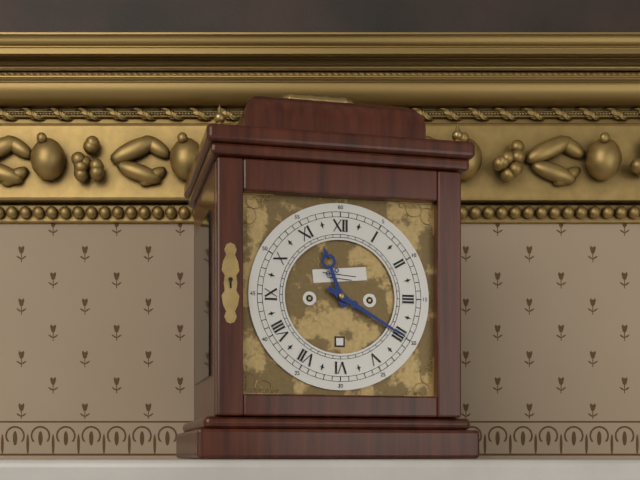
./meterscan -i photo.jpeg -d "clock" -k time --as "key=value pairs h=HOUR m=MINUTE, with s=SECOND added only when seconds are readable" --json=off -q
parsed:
h=11 m=20
